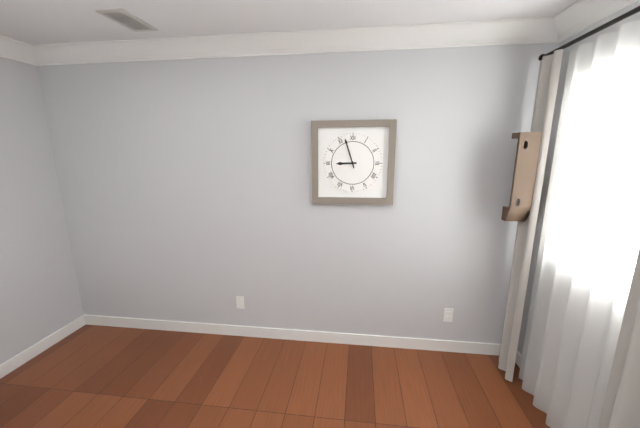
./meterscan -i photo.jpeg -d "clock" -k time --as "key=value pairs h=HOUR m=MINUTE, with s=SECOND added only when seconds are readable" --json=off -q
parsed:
h=8 m=57
